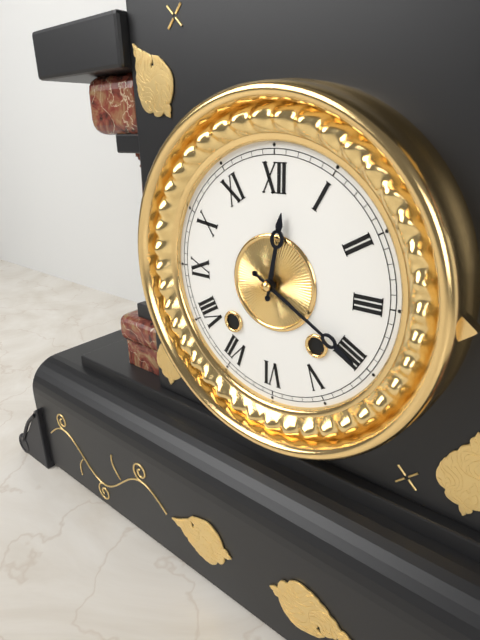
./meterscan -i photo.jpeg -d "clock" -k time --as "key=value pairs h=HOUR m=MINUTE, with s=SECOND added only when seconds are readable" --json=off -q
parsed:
h=12 m=20
